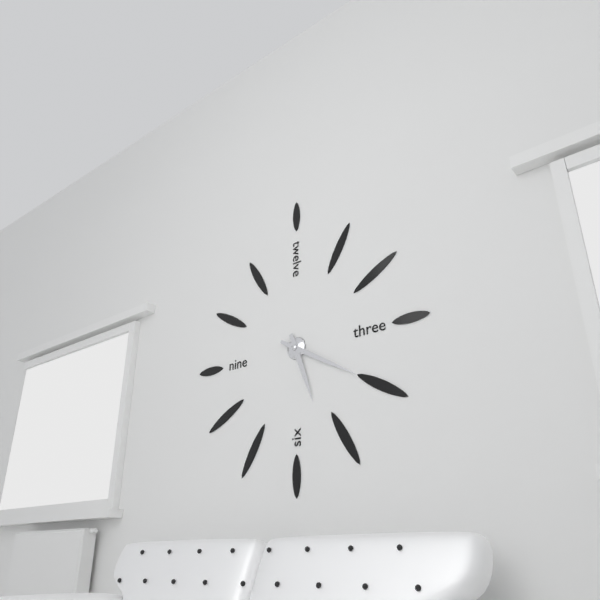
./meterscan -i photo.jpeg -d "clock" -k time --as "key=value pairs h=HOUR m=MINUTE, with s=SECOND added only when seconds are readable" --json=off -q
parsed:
h=5 m=20
